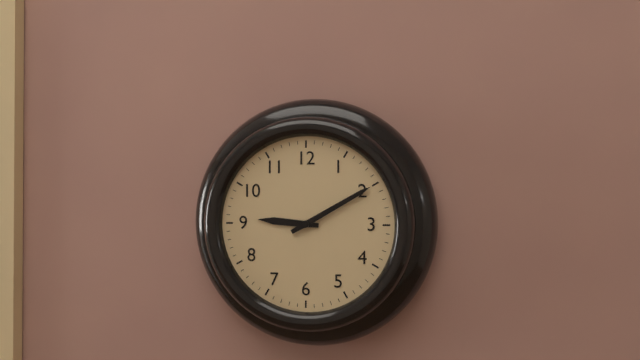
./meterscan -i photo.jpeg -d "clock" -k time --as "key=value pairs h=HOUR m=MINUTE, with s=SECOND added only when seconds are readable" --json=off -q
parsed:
h=9 m=10
